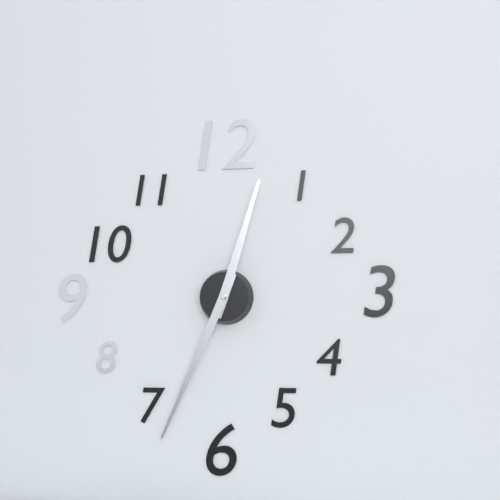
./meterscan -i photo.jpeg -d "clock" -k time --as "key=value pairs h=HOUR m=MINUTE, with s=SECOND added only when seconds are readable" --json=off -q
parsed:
h=12 m=34
